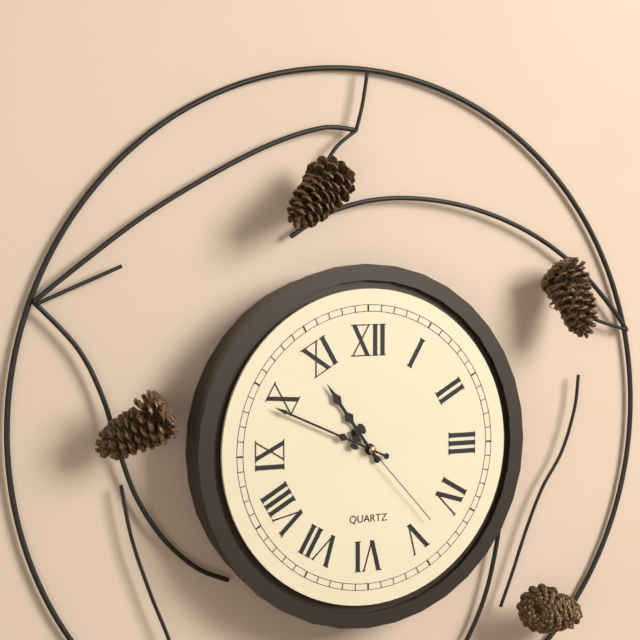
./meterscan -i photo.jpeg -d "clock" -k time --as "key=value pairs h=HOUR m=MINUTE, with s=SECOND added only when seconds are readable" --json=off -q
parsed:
h=10 m=49 s=23
